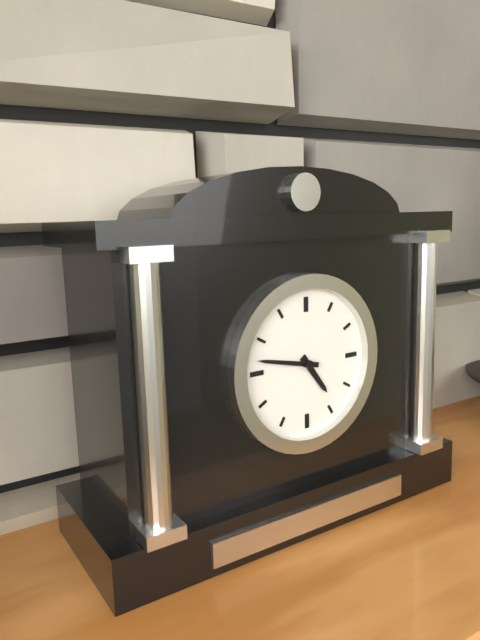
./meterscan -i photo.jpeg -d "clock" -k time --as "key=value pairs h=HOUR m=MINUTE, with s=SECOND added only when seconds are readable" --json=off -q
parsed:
h=4 m=47
